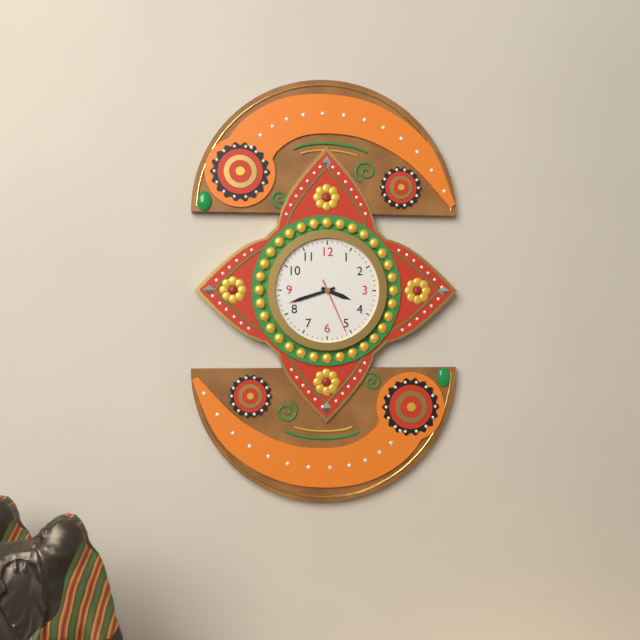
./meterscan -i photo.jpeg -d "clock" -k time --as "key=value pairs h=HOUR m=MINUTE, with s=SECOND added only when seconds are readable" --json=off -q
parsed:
h=3 m=42 s=26
